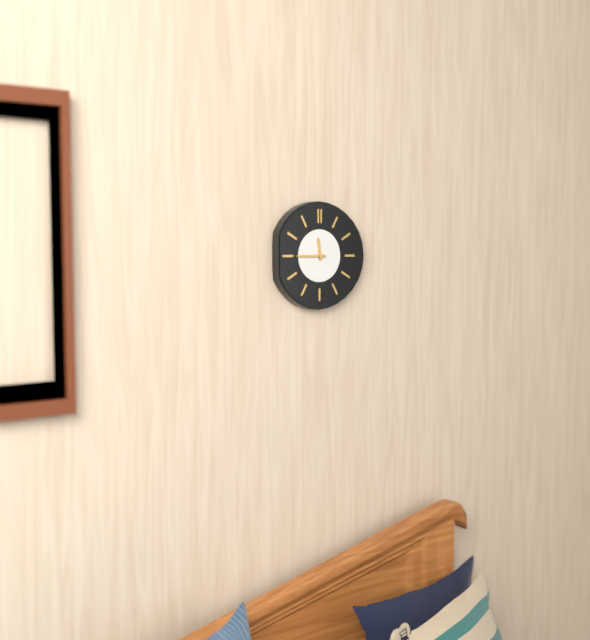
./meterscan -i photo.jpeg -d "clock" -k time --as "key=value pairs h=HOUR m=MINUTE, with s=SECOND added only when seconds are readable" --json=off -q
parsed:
h=11 m=45
